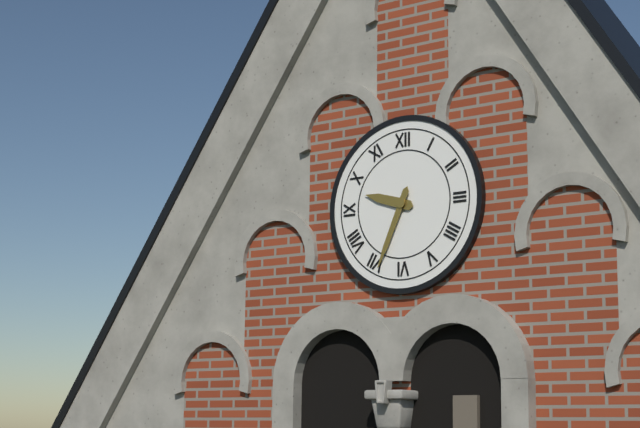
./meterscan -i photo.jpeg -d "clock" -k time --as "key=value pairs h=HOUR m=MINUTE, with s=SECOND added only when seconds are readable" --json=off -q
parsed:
h=9 m=34
